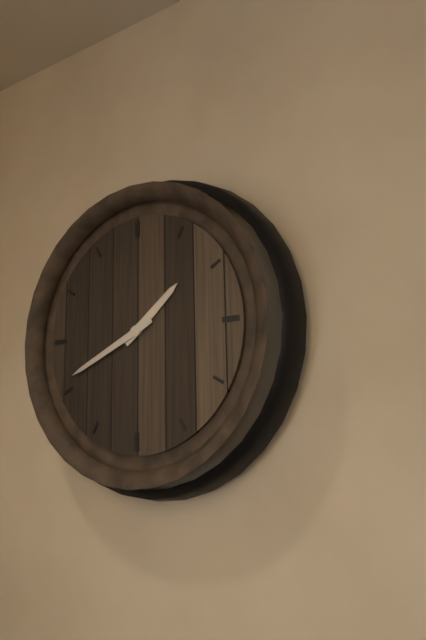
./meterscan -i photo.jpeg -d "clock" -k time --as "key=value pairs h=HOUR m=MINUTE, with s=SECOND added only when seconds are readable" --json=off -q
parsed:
h=1 m=41
